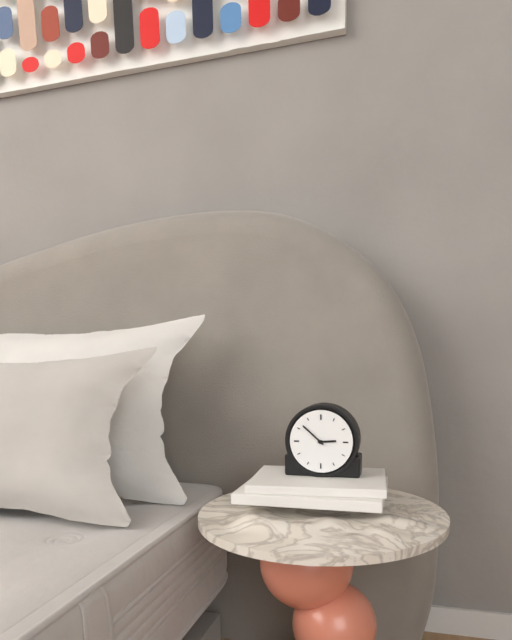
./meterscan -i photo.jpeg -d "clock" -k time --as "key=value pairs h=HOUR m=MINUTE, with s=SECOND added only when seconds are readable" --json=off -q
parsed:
h=2 m=52
